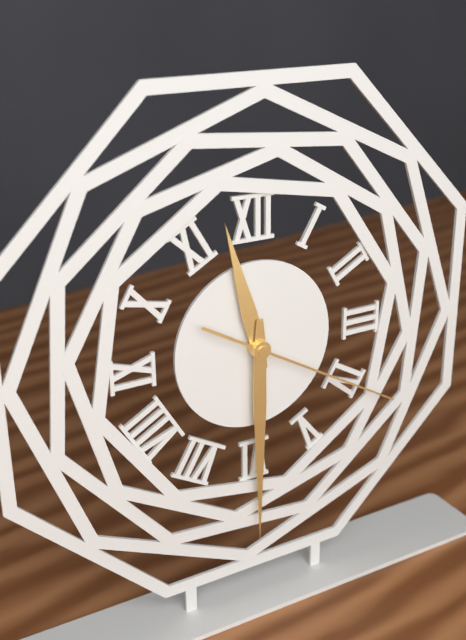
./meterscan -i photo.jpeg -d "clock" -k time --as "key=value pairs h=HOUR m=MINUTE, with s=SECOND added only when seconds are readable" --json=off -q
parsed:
h=11 m=30 s=20
